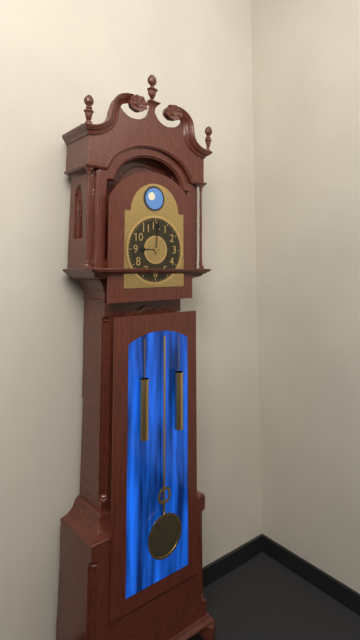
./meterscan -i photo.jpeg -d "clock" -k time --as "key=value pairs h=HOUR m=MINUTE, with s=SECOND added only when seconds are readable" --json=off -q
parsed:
h=9 m=1
